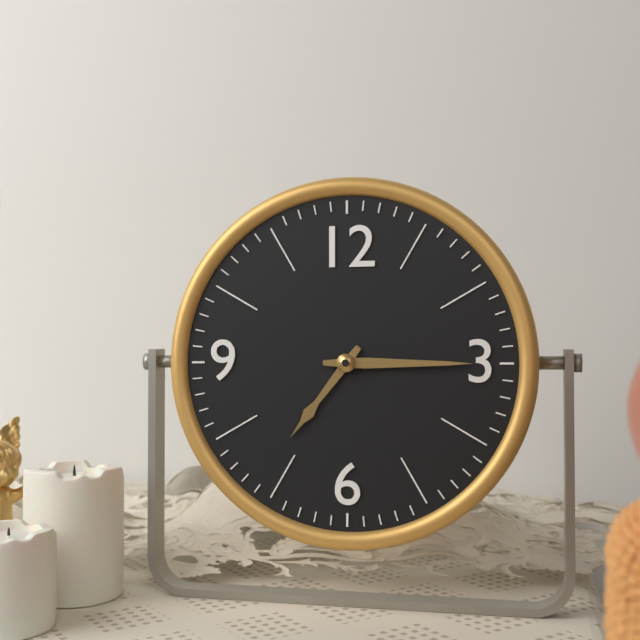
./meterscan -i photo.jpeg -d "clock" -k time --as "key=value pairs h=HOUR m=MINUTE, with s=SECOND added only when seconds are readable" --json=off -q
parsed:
h=7 m=15
